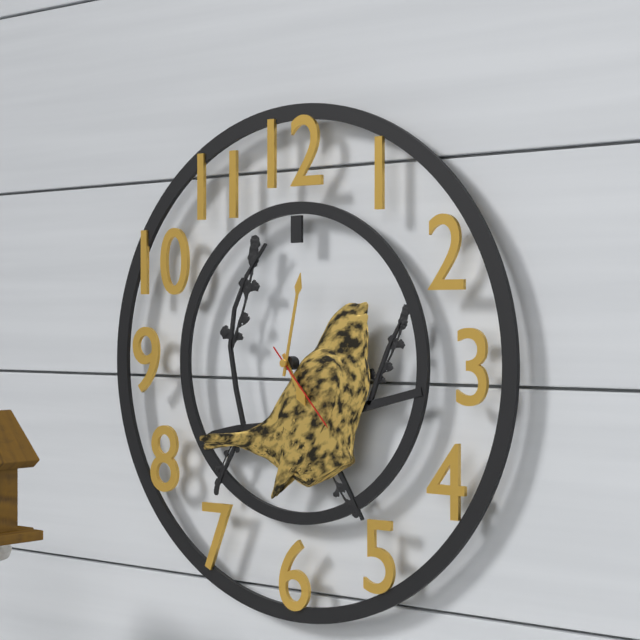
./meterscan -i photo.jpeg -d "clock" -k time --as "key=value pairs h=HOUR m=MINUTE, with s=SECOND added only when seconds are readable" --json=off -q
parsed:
h=5 m=2 s=23
